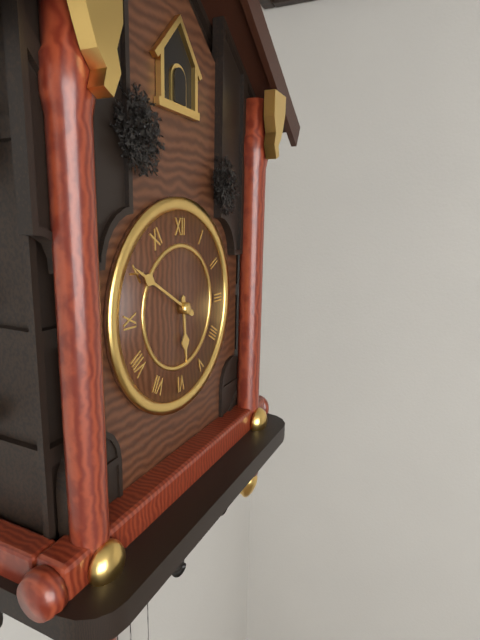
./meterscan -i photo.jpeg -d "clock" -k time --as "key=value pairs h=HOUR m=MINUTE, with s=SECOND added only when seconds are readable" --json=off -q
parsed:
h=5 m=50
